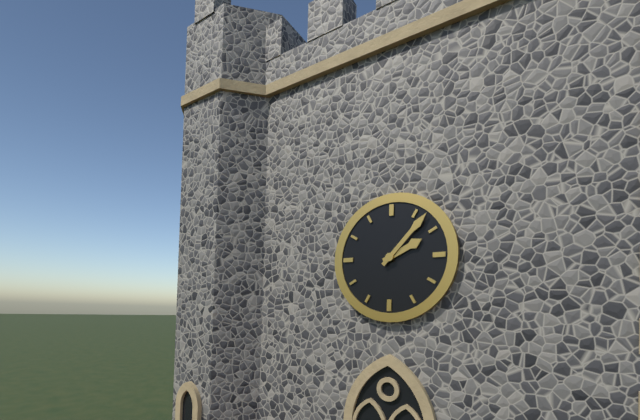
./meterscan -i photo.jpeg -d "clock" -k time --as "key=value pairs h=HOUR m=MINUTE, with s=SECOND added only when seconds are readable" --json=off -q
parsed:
h=2 m=7
